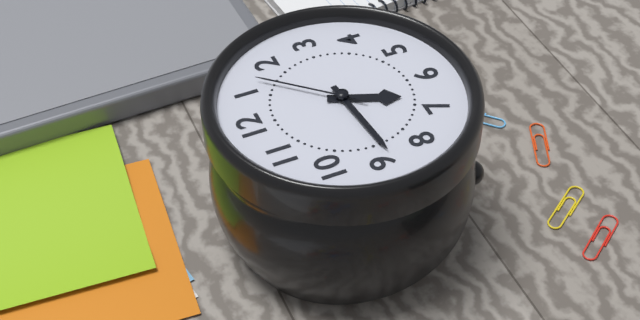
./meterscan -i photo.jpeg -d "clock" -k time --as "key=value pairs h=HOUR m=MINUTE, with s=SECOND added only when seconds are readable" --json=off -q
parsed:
h=6 m=44 s=7
